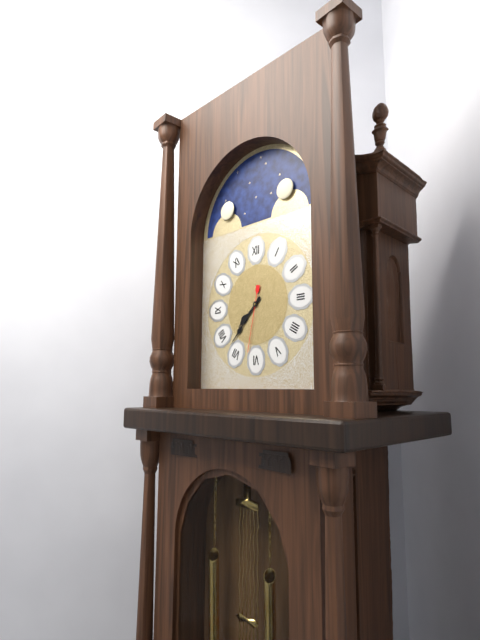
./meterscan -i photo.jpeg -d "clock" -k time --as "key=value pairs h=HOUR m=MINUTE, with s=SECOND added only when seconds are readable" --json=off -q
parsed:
h=7 m=37 s=32
